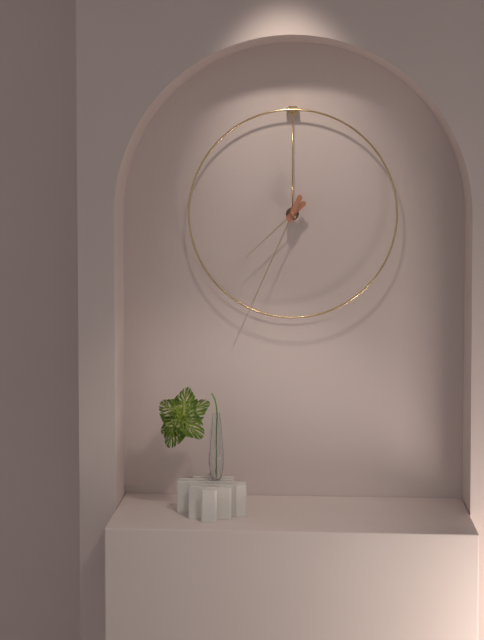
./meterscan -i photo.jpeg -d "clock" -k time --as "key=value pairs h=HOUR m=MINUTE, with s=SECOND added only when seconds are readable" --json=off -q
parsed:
h=7 m=34
